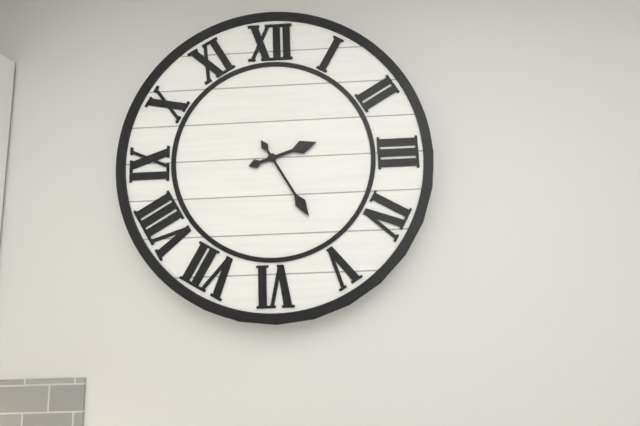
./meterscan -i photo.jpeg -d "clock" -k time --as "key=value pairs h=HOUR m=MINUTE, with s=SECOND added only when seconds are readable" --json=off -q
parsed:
h=2 m=25
